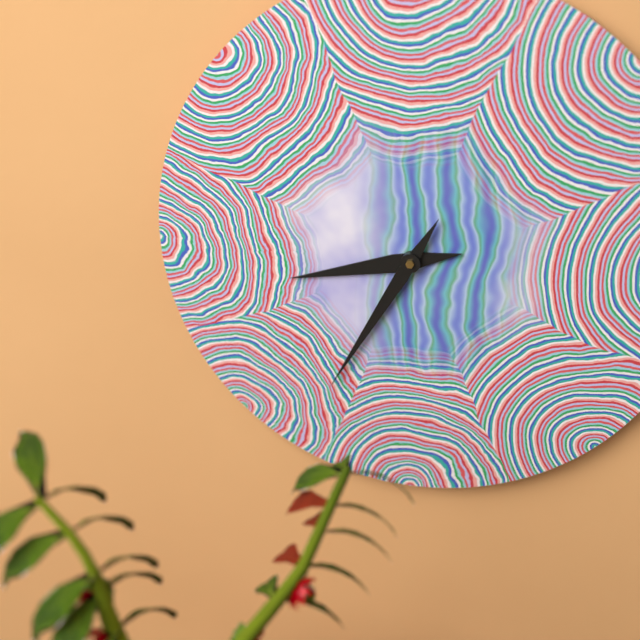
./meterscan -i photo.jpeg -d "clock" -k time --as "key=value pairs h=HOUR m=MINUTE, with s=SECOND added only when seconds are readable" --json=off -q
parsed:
h=8 m=35
